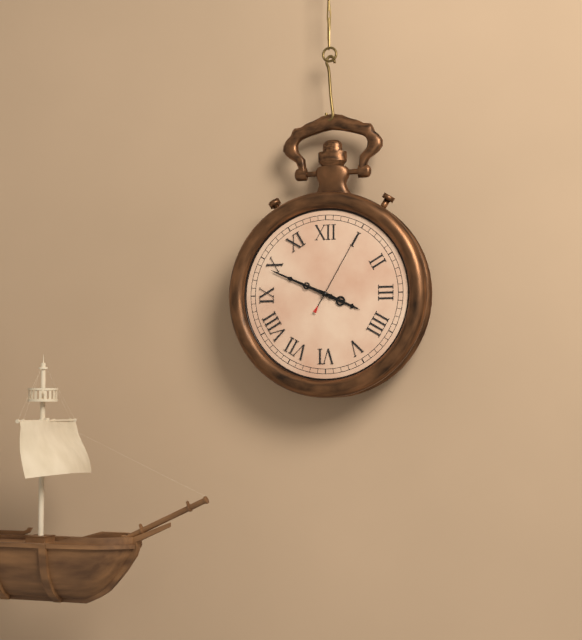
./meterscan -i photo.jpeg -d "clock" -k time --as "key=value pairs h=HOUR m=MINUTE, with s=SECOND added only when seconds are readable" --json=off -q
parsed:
h=3 m=49 s=5
